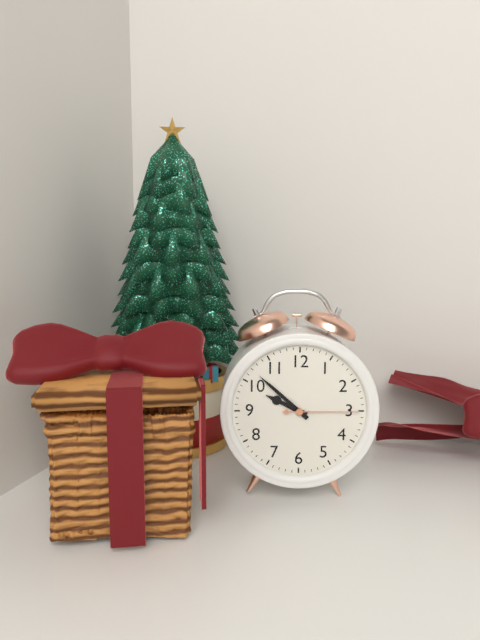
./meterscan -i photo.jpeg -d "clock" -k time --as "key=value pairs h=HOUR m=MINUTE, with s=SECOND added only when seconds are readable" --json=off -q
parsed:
h=9 m=52 s=15
